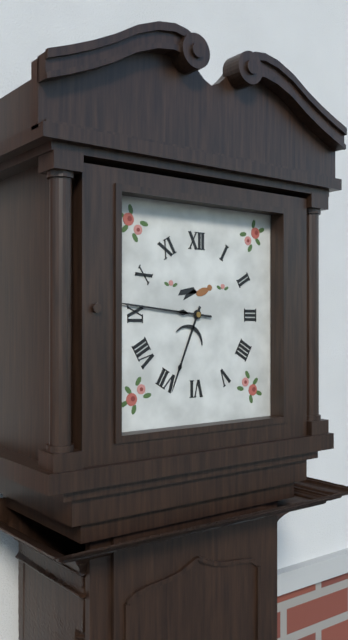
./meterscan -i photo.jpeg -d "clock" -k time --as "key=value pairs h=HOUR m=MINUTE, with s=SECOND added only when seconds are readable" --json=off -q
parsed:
h=6 m=46
